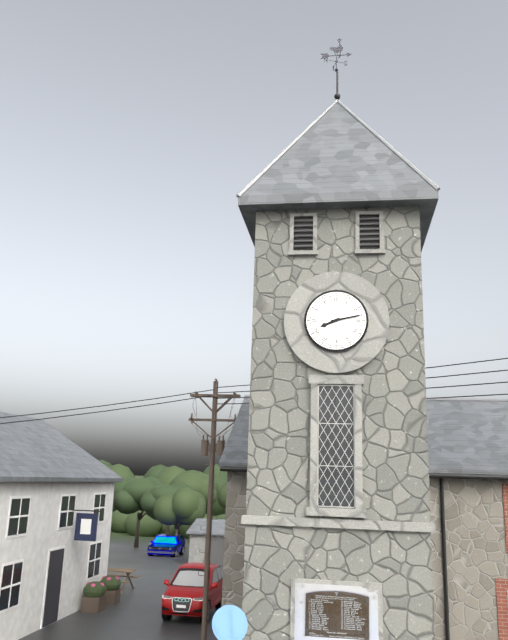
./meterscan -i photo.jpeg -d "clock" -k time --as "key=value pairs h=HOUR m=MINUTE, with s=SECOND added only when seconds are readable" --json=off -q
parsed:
h=8 m=13
